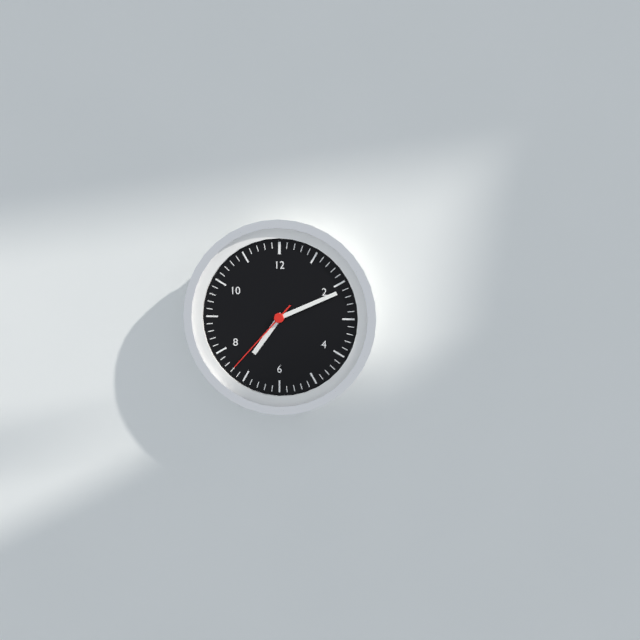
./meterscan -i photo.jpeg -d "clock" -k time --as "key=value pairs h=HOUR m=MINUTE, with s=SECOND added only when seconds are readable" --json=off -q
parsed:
h=7 m=11 s=37
